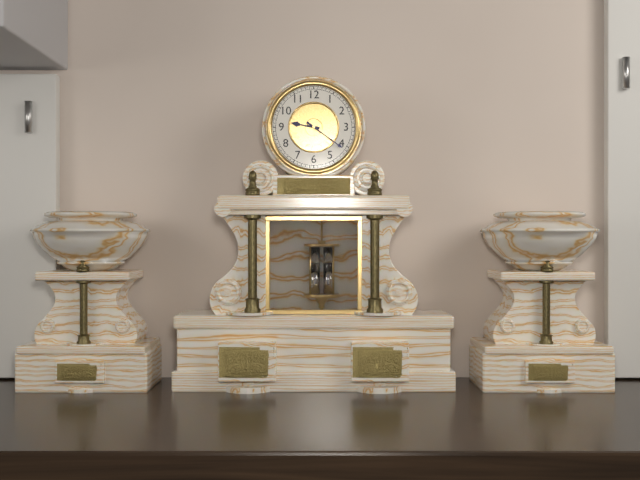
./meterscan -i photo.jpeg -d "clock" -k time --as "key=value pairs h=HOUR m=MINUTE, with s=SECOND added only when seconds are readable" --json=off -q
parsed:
h=9 m=21
